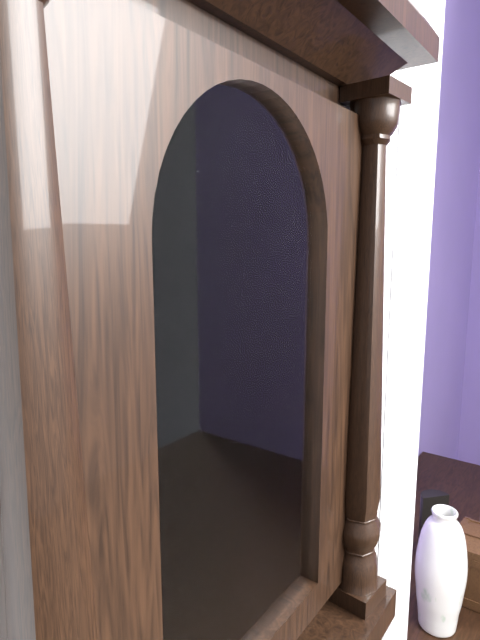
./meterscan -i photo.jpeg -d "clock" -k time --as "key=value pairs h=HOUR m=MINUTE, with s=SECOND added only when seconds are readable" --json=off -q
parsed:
h=8 m=49
